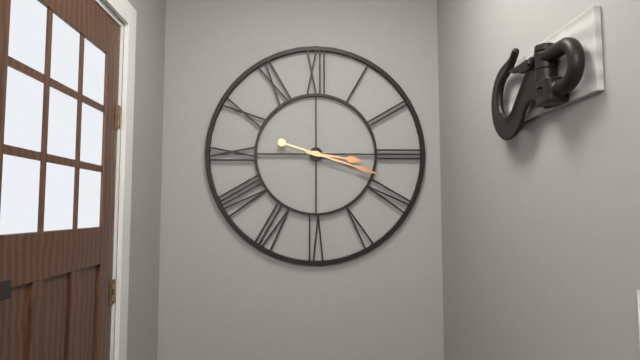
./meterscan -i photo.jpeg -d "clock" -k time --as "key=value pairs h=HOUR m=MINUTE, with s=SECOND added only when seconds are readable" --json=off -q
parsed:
h=3 m=18
